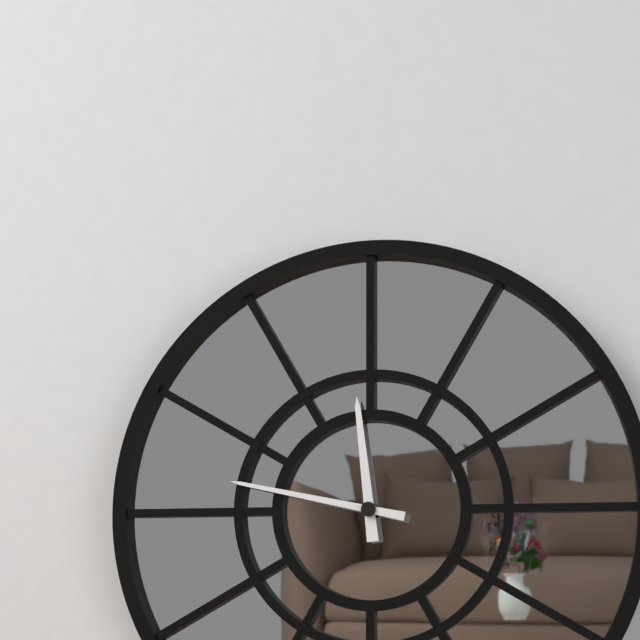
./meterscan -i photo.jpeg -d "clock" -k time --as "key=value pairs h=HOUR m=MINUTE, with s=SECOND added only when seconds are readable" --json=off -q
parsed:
h=11 m=47
